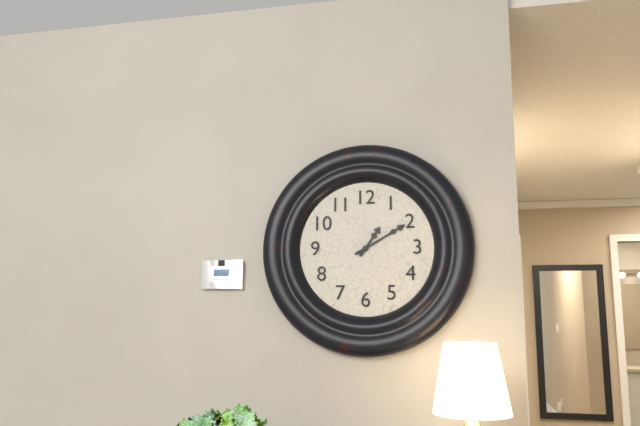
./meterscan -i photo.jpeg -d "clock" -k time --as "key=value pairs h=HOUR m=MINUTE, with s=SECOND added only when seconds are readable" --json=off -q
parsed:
h=1 m=10
